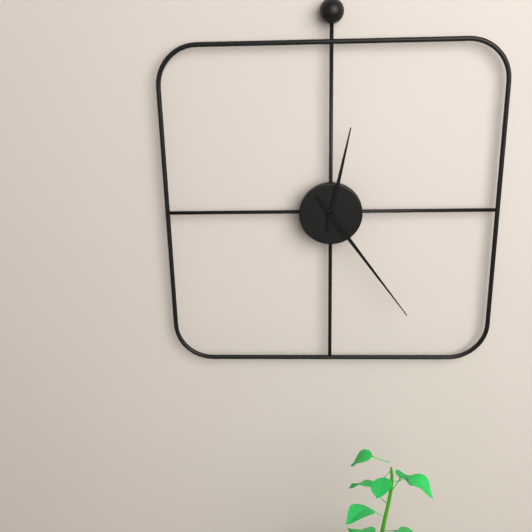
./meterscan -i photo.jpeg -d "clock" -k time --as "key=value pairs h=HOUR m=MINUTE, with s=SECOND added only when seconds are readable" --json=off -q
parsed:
h=12 m=24
